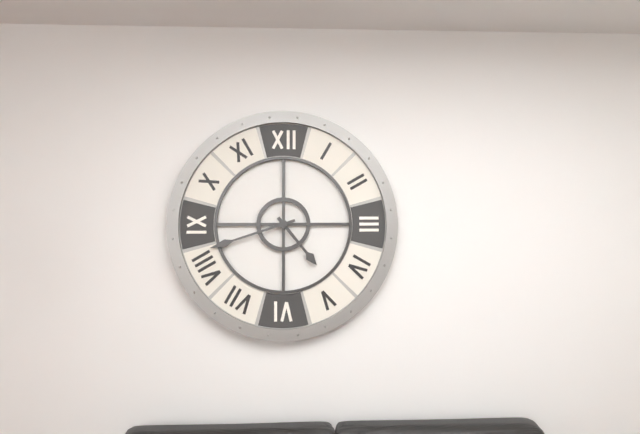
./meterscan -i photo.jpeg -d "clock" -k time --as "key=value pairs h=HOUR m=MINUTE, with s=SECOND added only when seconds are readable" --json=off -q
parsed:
h=4 m=42
